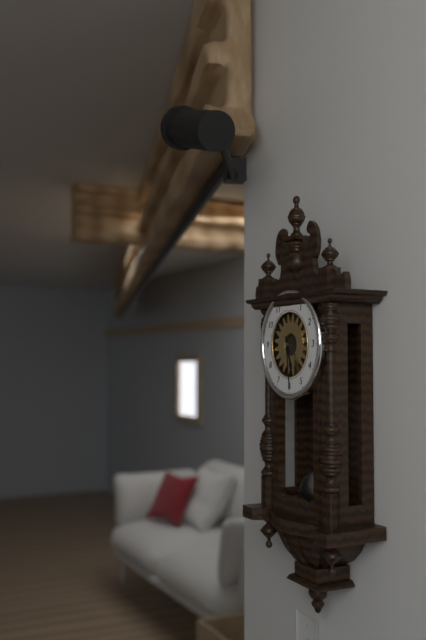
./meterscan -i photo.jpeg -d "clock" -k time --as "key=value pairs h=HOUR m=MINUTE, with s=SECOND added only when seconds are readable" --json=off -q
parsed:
h=5 m=29
